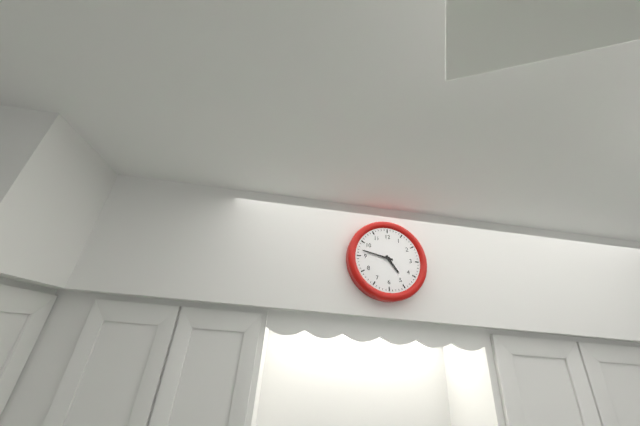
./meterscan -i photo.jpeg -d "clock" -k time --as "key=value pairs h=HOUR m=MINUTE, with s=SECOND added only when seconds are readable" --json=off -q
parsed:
h=4 m=47
